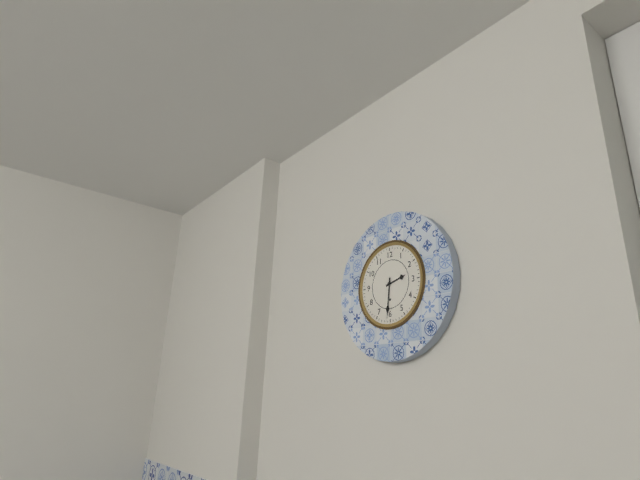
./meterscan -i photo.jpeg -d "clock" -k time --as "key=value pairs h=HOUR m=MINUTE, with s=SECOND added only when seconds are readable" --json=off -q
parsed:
h=2 m=31
